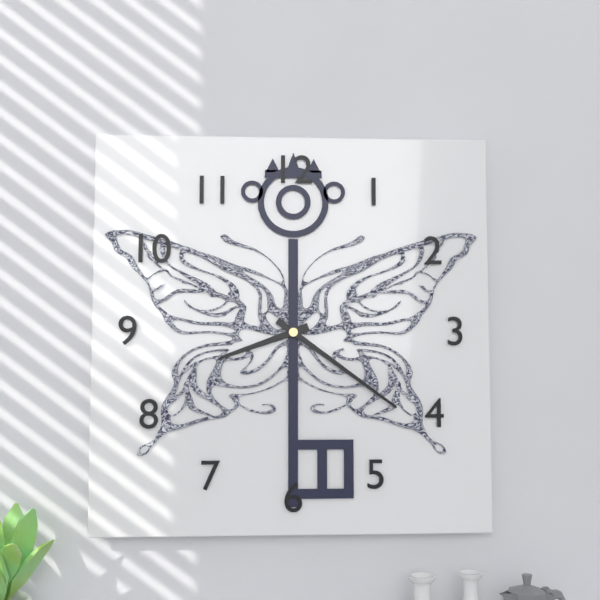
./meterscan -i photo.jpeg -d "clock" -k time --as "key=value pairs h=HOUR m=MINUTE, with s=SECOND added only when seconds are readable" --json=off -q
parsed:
h=8 m=21
